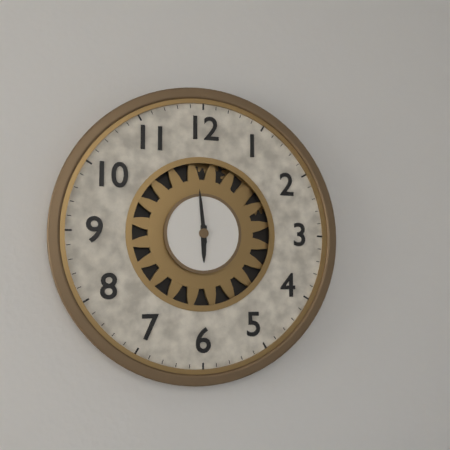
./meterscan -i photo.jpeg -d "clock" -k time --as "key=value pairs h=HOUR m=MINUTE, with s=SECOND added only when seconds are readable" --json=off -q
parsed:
h=5 m=59
